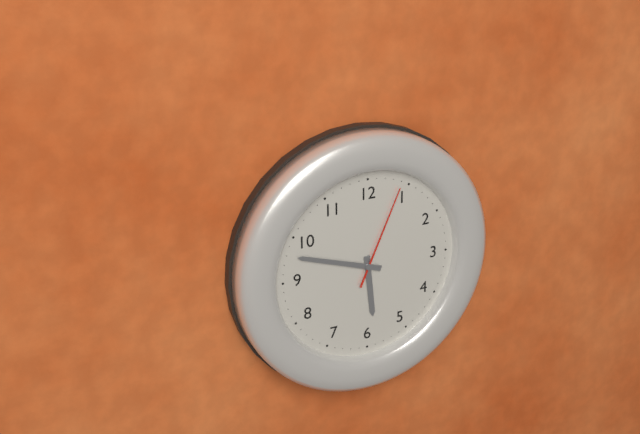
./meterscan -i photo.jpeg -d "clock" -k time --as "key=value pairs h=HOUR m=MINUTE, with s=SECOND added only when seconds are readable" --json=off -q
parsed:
h=5 m=48 s=4
